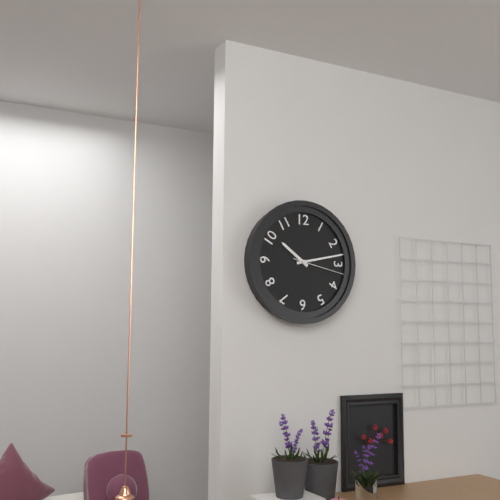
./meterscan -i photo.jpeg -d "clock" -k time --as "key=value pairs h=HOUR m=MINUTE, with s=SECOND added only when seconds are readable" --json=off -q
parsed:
h=10 m=13 s=17
